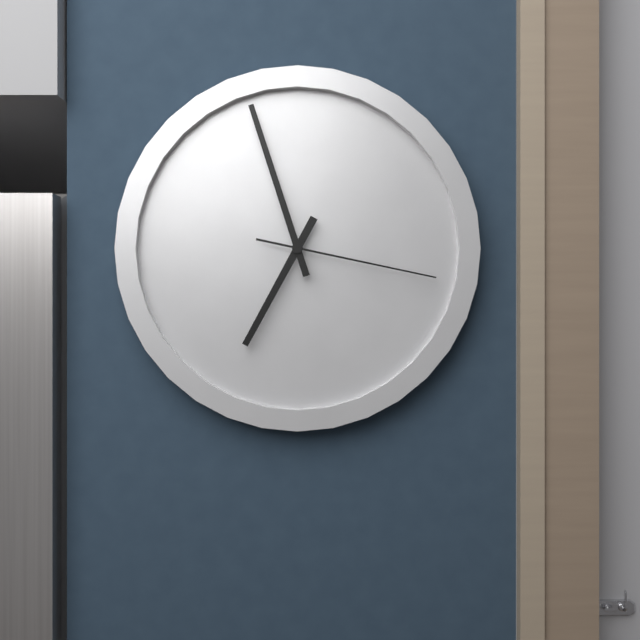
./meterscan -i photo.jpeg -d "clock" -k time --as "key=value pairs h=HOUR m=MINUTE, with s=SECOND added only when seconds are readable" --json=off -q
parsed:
h=6 m=57 s=17
